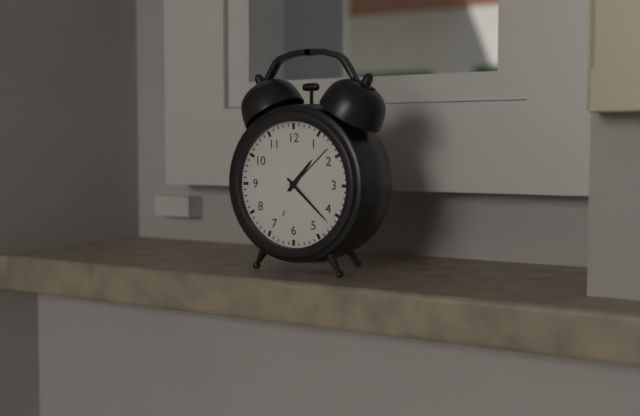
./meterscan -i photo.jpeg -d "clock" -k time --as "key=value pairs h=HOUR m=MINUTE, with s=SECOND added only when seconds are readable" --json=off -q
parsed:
h=1 m=22
